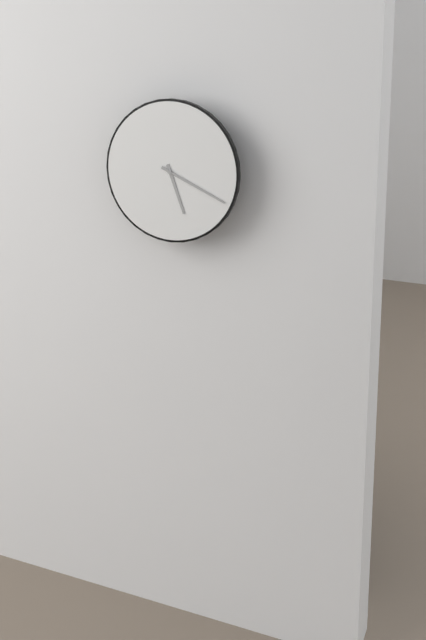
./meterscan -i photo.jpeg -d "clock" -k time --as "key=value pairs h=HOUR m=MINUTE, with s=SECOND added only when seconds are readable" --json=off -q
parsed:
h=5 m=19
